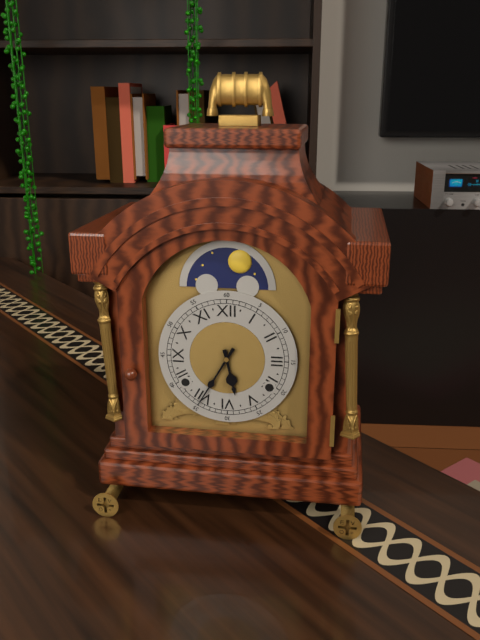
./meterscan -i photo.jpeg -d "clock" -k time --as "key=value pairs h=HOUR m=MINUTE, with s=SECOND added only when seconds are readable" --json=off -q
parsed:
h=5 m=35
